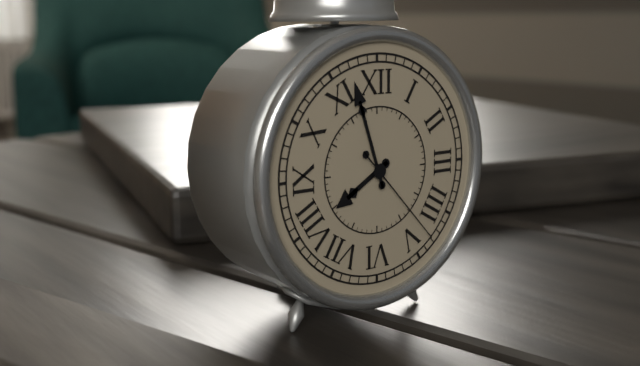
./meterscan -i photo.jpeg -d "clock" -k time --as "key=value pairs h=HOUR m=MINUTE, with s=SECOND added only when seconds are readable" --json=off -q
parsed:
h=7 m=57 s=23
